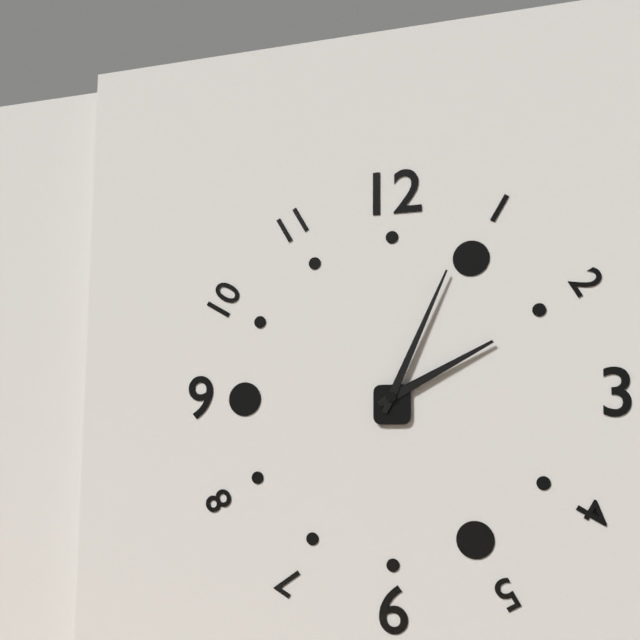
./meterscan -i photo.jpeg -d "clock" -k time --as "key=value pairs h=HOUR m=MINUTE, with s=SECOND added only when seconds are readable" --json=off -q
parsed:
h=2 m=4
